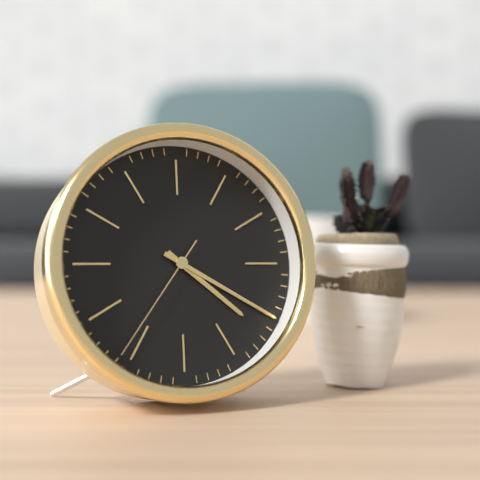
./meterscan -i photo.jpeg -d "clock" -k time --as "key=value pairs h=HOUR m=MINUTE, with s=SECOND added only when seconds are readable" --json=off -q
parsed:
h=4 m=20 s=36
